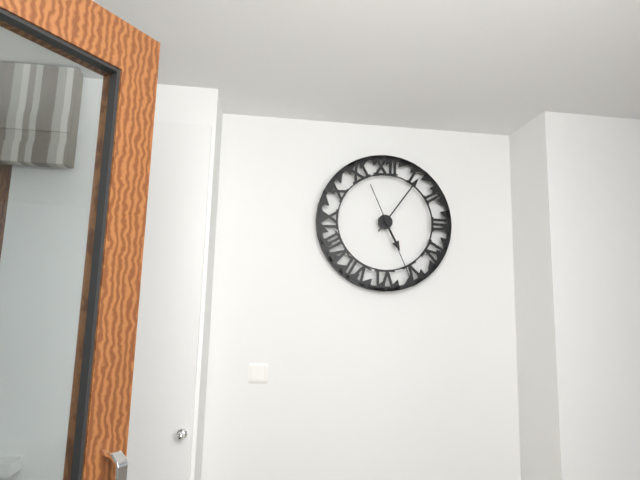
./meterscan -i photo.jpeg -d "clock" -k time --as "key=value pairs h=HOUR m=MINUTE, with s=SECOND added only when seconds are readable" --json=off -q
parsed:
h=5 m=6 s=26
